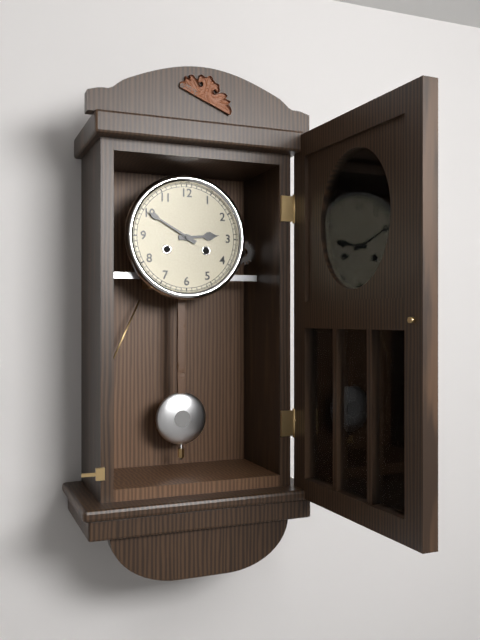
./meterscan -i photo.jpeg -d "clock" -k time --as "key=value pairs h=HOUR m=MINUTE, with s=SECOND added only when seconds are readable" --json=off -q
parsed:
h=2 m=50
